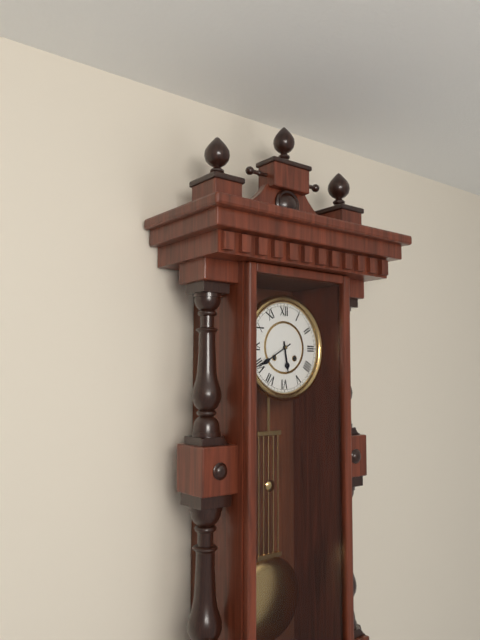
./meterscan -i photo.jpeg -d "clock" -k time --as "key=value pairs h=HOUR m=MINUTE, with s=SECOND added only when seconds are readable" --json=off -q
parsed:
h=5 m=40
